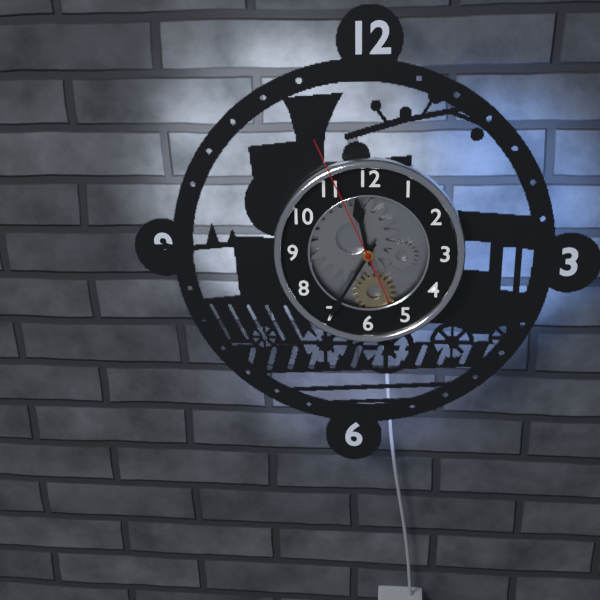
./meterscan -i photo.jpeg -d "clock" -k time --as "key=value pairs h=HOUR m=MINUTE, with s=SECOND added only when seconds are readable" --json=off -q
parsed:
h=11 m=35 s=56
